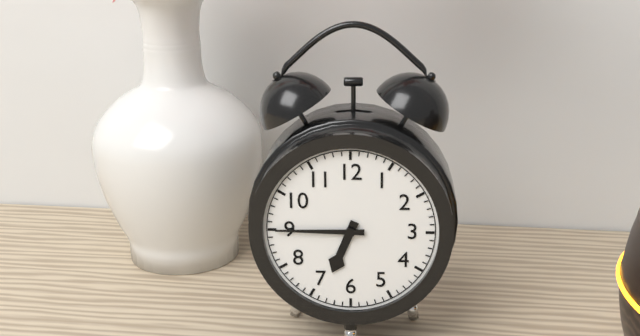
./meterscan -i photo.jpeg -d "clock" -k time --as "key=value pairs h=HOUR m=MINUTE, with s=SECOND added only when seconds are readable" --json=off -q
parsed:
h=6 m=45
